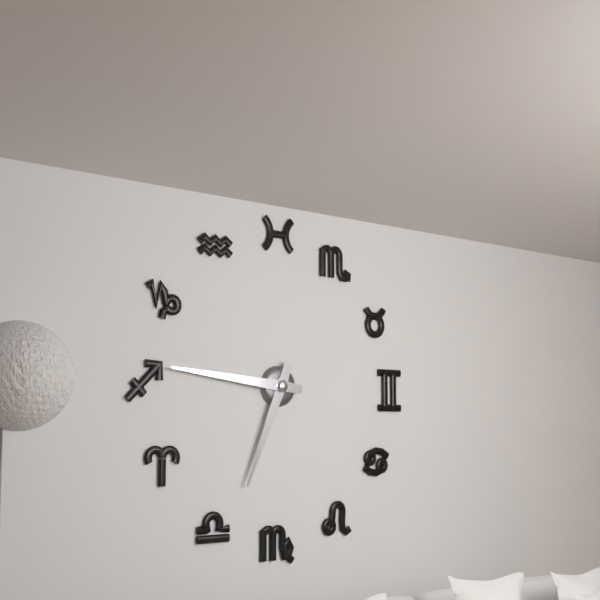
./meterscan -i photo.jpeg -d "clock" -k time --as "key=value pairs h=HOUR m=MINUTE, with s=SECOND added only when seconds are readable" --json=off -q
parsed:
h=6 m=46
